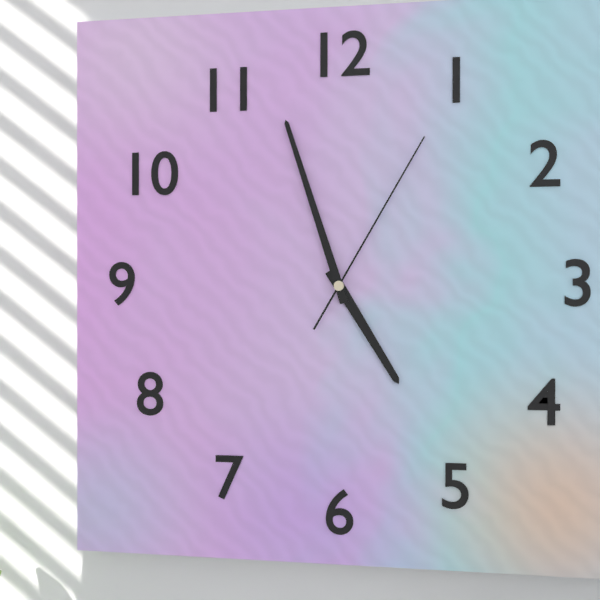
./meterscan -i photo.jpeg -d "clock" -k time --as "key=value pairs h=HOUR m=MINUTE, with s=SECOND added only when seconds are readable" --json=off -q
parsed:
h=4 m=57 s=5
